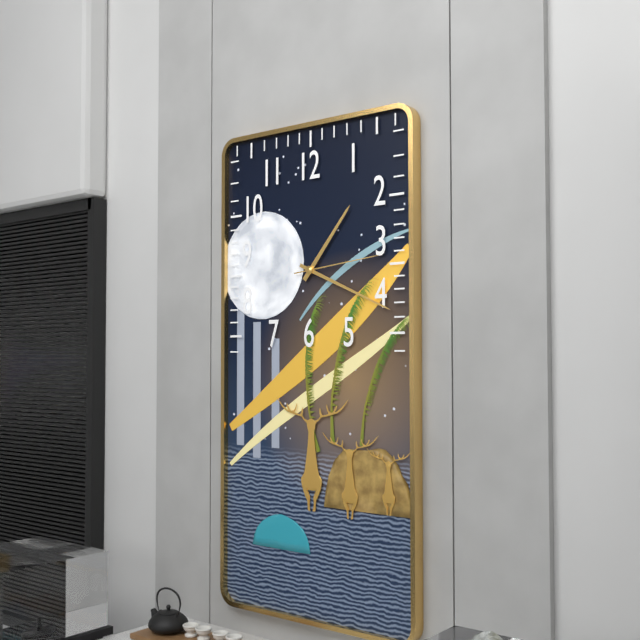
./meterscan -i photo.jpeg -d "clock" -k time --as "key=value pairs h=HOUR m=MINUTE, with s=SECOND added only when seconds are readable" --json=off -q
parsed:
h=1 m=19 s=14
